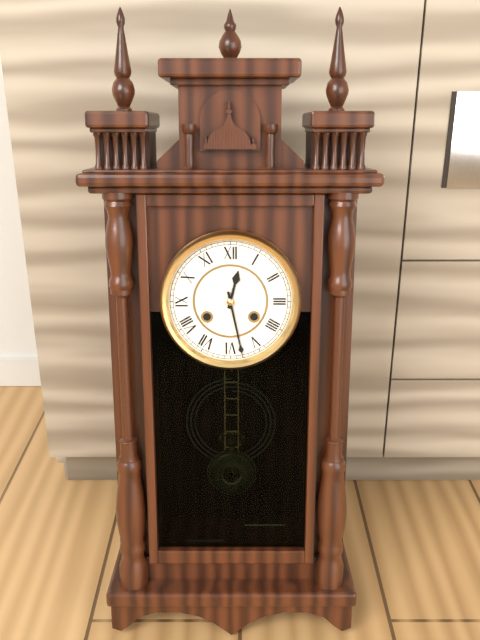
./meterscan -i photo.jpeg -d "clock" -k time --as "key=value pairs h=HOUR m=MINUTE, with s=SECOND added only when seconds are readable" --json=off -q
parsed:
h=12 m=28
